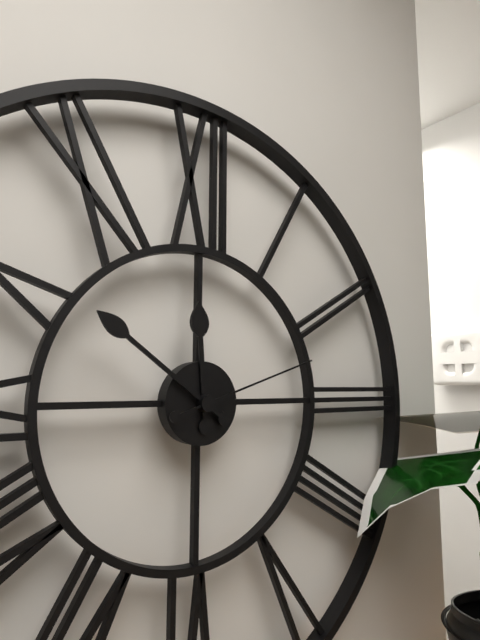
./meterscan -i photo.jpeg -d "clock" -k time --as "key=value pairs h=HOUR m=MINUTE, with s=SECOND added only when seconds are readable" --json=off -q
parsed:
h=11 m=51 s=12
